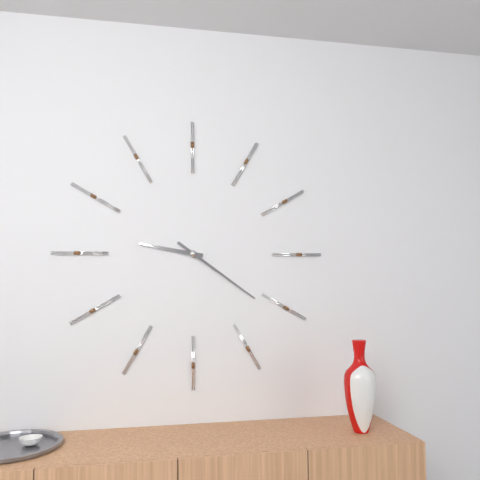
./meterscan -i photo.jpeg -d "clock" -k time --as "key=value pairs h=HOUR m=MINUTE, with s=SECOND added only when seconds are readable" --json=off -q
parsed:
h=9 m=21
